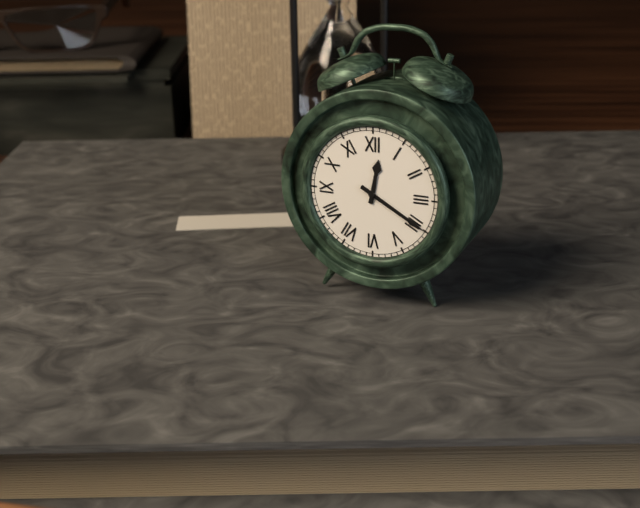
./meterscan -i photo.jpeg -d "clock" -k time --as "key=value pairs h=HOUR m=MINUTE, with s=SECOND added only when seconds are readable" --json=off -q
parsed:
h=12 m=20
